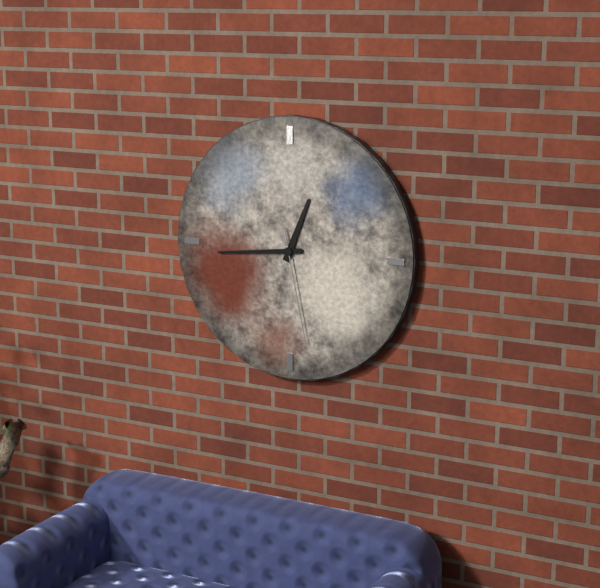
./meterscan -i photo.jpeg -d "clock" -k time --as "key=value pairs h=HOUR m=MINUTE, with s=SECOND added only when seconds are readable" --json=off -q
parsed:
h=12 m=44 s=28
